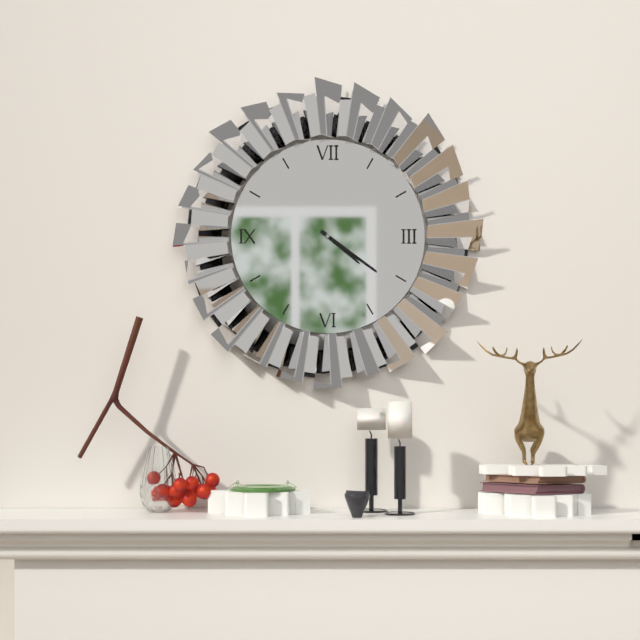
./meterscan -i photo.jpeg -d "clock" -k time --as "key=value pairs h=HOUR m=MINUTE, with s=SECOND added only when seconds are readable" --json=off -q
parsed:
h=4 m=21
